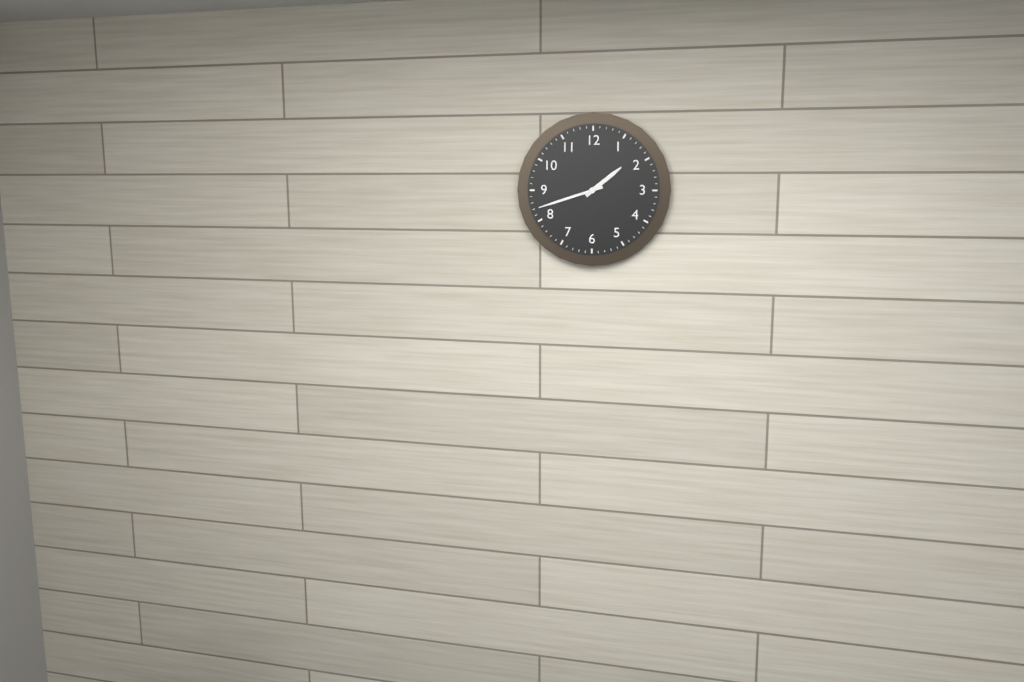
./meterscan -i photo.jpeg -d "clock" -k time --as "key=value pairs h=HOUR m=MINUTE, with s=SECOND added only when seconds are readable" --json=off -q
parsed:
h=1 m=42
